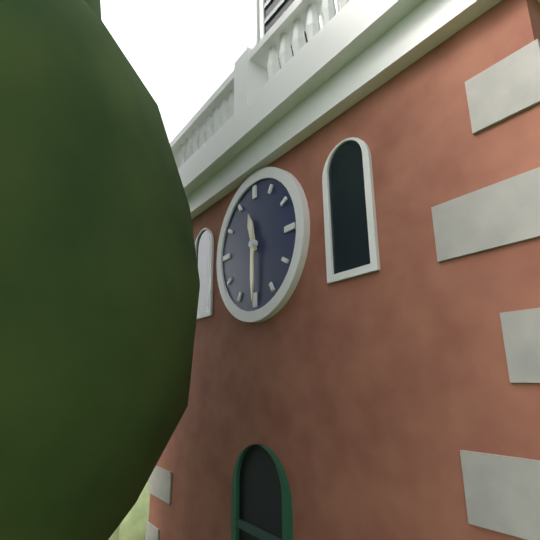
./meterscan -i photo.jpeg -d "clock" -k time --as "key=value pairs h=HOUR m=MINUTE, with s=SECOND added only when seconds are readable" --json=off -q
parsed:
h=11 m=30
